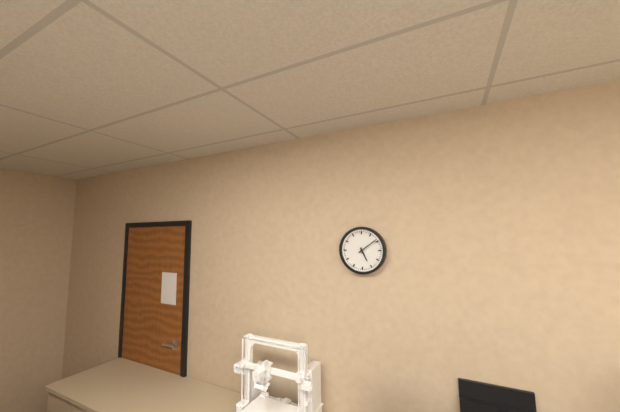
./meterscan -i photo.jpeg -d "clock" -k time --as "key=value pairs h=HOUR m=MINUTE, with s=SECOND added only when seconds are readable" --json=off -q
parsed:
h=5 m=9
